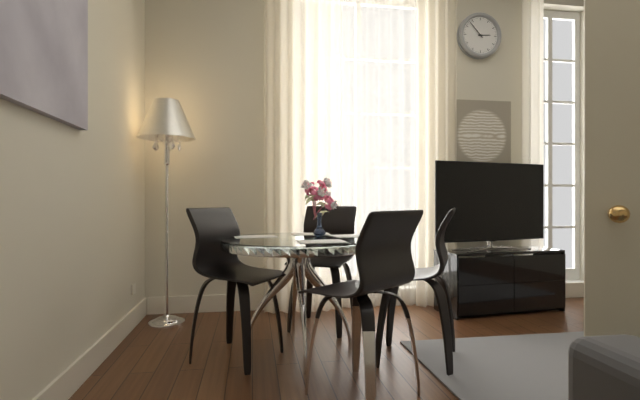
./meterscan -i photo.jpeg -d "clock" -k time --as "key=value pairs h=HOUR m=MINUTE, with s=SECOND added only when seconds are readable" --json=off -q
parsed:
h=2 m=53
